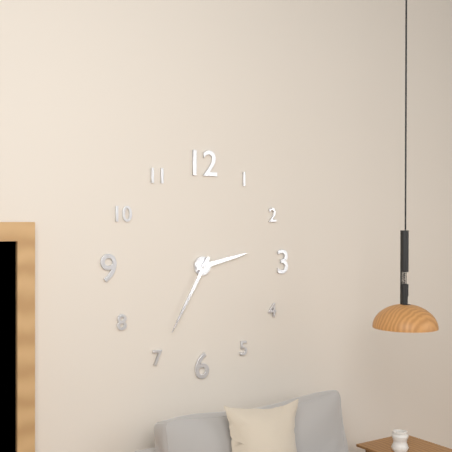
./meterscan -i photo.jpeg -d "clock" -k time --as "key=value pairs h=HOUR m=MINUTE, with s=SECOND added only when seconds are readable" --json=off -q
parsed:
h=2 m=35
